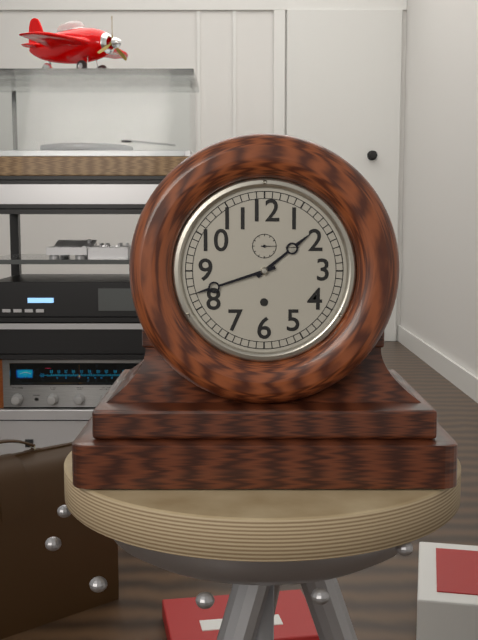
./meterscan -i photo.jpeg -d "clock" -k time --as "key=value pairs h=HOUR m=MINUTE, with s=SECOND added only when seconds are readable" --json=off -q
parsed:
h=1 m=42
